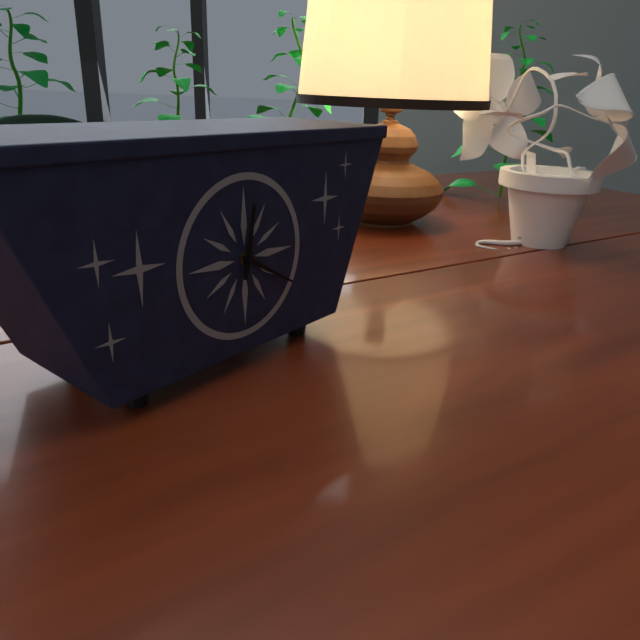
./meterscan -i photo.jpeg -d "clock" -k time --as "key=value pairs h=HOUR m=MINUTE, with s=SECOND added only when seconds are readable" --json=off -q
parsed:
h=12 m=20
